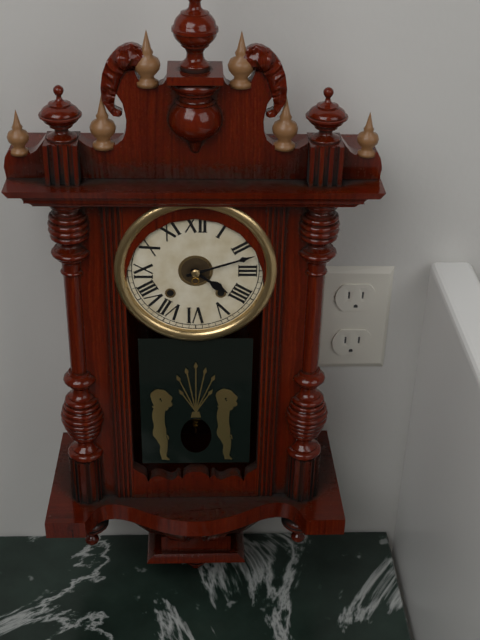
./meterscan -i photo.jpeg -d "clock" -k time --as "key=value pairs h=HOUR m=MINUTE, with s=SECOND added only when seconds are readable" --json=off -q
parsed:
h=4 m=12
